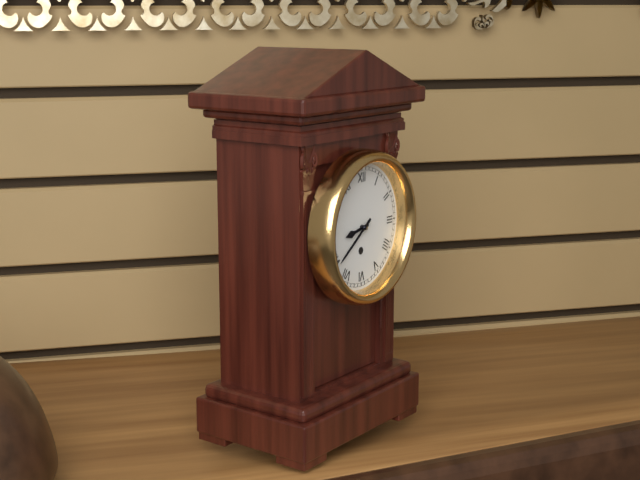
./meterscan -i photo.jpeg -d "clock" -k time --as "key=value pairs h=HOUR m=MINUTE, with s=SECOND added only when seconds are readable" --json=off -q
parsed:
h=8 m=39
